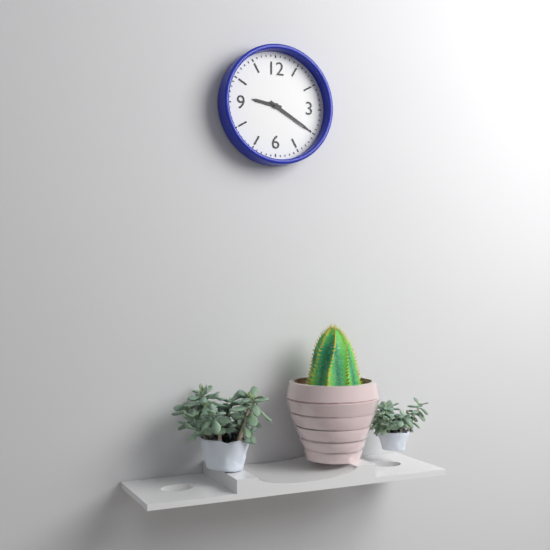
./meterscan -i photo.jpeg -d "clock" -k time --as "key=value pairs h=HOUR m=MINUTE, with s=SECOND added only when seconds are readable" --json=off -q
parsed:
h=9 m=20
